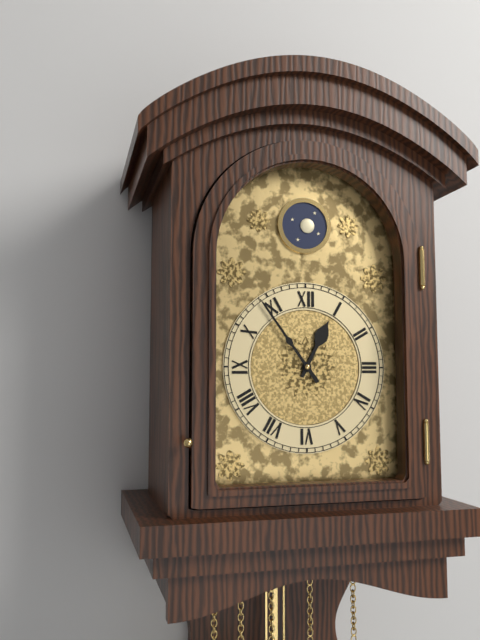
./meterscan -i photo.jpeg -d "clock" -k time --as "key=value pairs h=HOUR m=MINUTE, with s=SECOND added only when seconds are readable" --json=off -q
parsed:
h=12 m=54
